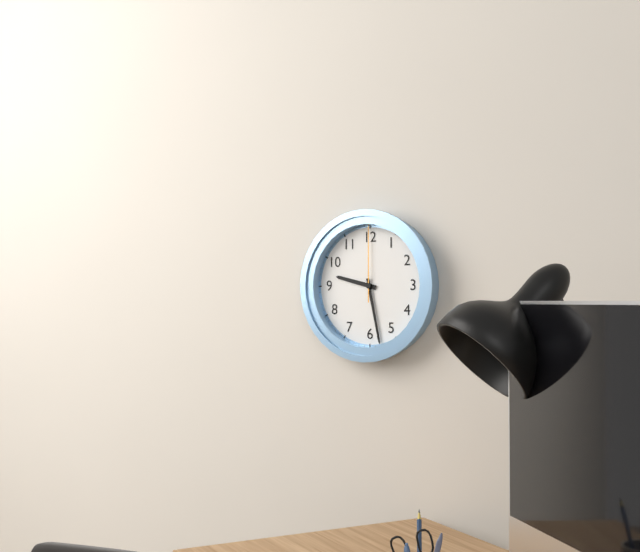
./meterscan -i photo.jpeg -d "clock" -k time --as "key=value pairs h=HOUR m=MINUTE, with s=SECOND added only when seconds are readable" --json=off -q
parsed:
h=9 m=28 s=0
